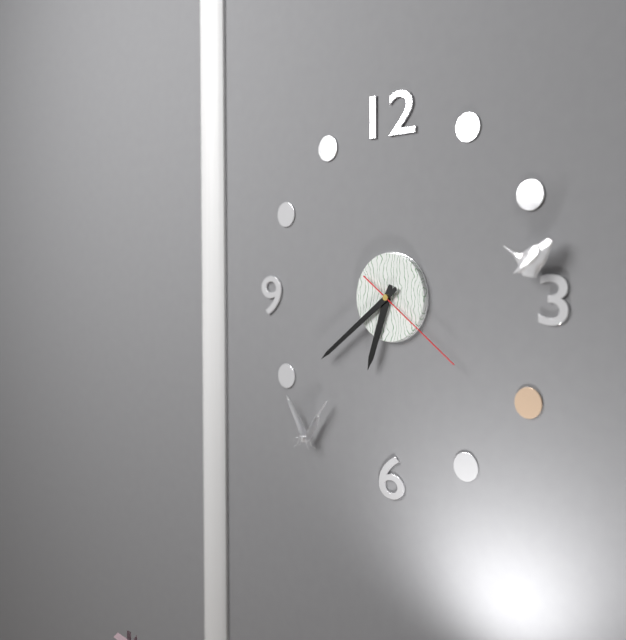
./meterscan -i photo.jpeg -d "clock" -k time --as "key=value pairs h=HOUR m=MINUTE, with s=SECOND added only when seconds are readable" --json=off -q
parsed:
h=6 m=39 s=21
